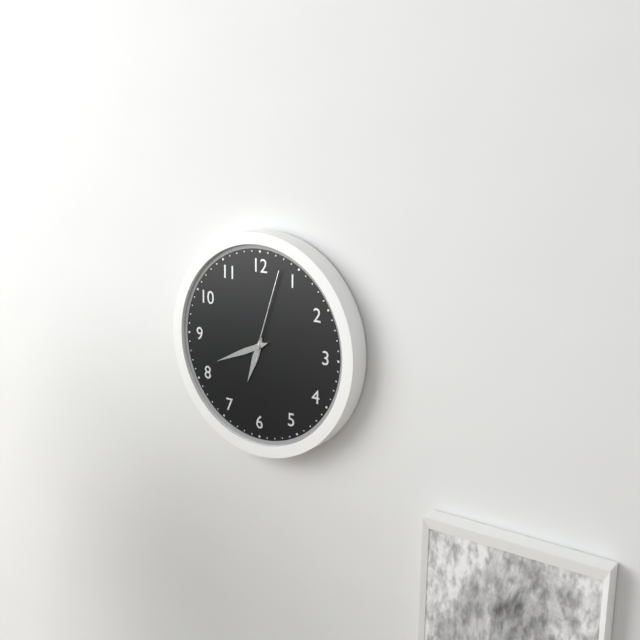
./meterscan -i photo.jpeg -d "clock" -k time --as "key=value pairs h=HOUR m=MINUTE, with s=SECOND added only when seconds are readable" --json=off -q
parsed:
h=6 m=41 s=3
